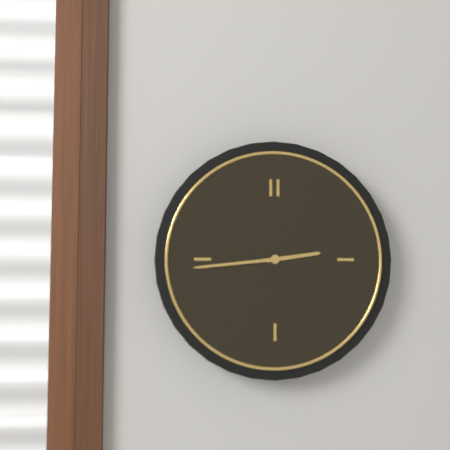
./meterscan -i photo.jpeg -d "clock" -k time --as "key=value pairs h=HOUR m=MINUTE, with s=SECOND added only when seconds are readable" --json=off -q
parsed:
h=2 m=44
